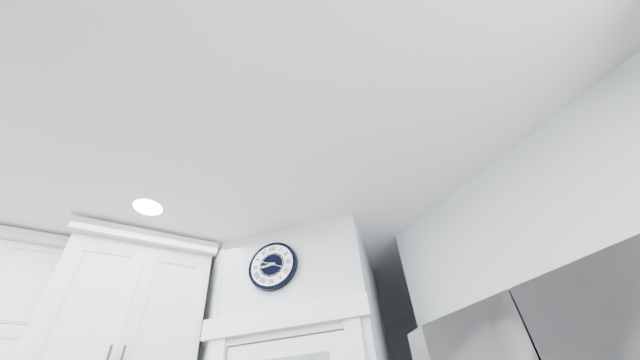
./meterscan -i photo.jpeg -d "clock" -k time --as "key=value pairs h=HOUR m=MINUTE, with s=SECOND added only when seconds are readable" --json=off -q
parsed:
h=8 m=44
